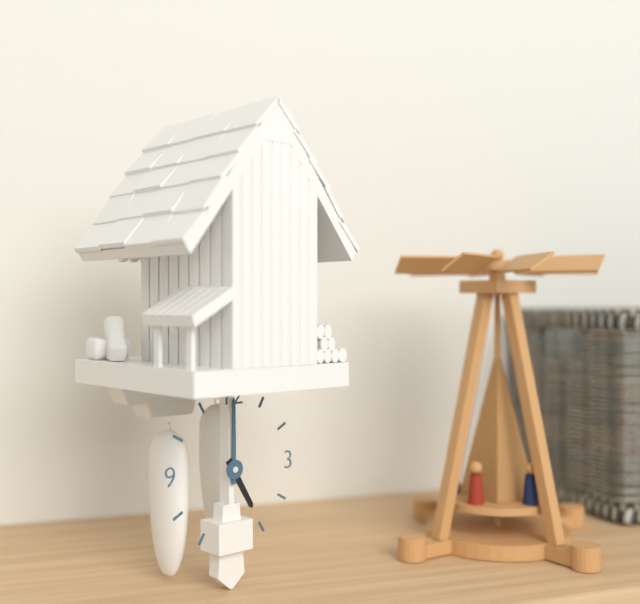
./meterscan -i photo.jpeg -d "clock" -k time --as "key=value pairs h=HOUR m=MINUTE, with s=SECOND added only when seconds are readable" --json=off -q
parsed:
h=5 m=0
